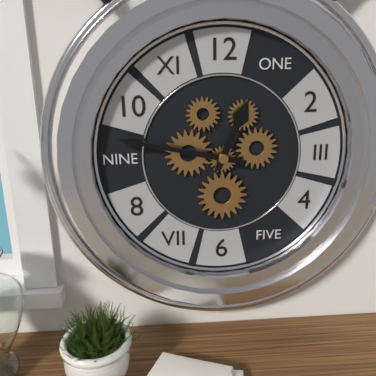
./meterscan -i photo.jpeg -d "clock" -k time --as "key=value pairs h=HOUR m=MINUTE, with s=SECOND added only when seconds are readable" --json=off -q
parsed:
h=12 m=47
